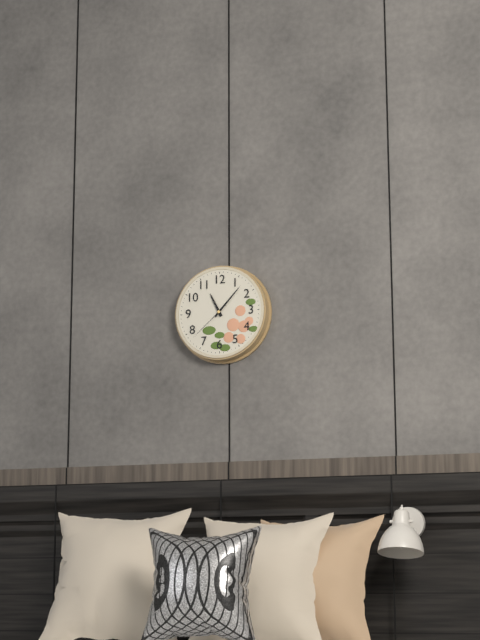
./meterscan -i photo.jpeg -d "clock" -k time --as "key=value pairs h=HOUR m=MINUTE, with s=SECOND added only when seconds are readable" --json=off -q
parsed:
h=11 m=7
